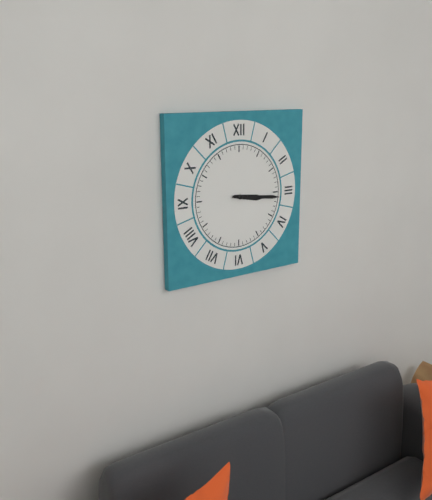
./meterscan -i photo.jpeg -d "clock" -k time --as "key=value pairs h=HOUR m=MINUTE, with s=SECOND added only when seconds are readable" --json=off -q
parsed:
h=3 m=16
